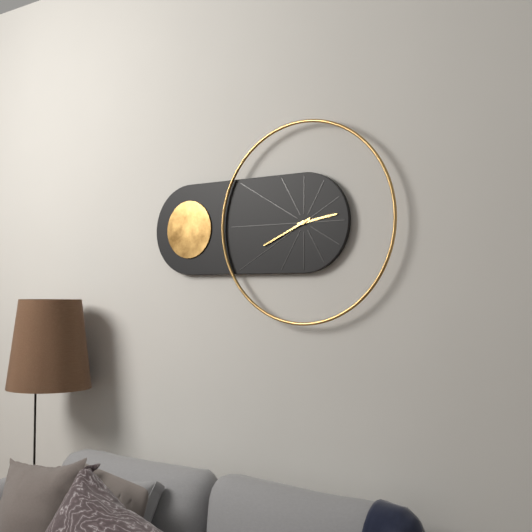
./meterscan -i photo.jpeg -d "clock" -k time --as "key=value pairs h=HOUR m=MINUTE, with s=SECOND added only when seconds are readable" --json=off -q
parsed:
h=2 m=41
